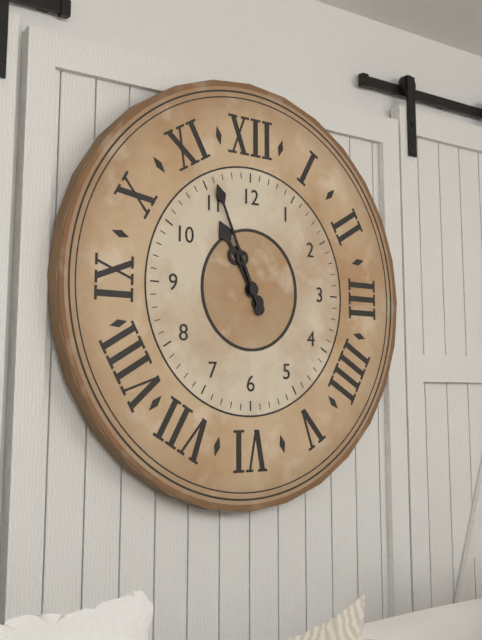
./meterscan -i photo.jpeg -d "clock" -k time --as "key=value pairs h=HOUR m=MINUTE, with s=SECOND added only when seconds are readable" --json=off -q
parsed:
h=10 m=56
